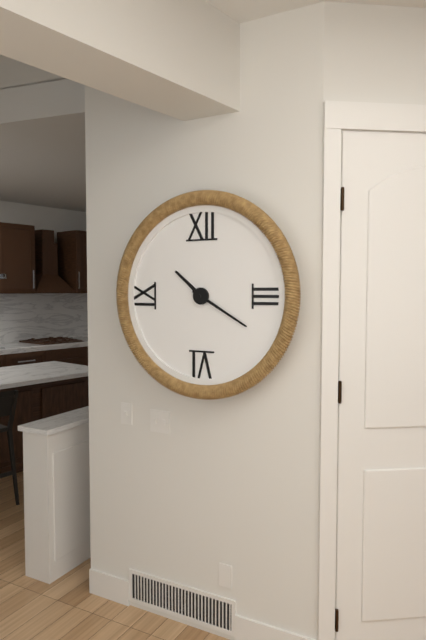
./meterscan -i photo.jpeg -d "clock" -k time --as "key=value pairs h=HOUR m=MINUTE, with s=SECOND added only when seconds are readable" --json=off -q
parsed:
h=10 m=20
